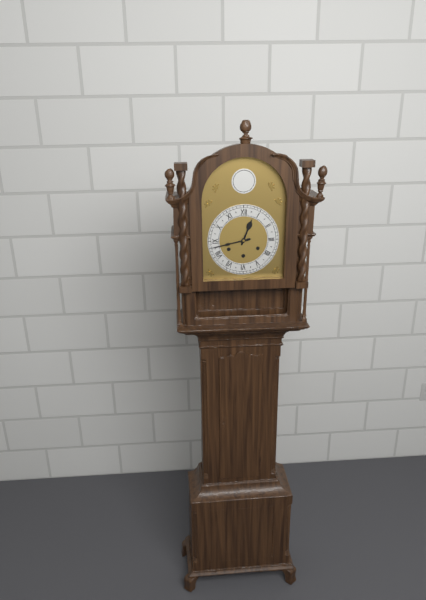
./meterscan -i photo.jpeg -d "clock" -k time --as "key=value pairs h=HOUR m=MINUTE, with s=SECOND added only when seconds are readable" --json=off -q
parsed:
h=12 m=43
